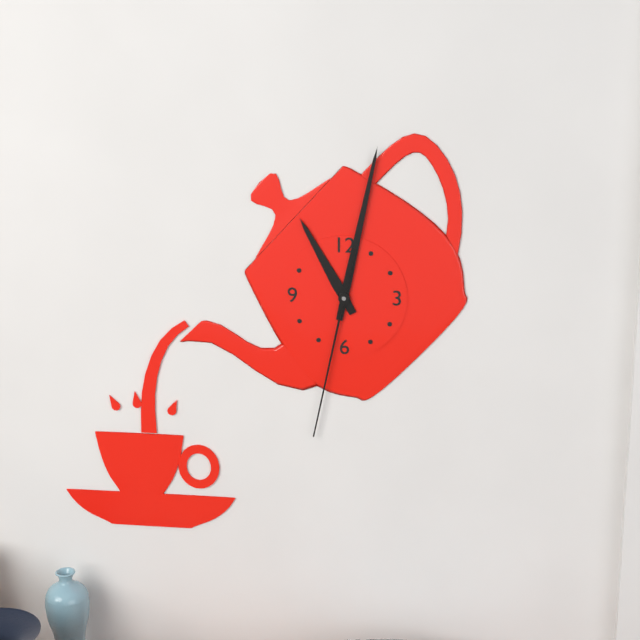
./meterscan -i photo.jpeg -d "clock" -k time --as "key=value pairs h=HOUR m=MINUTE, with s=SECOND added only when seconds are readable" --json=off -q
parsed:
h=11 m=2 s=32
